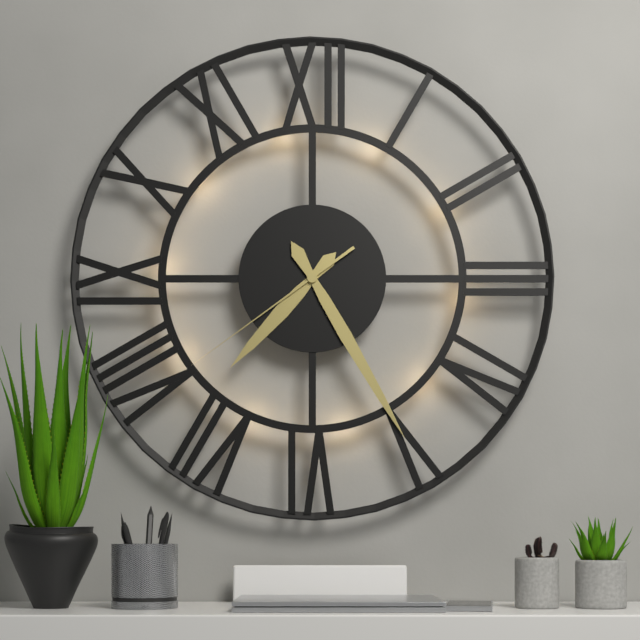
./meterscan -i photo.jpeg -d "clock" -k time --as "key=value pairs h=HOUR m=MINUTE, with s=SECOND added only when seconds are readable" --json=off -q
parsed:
h=7 m=25 s=39
